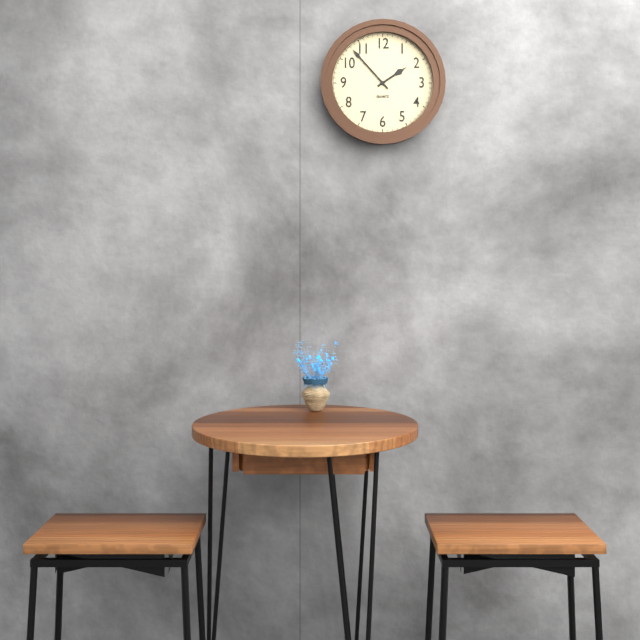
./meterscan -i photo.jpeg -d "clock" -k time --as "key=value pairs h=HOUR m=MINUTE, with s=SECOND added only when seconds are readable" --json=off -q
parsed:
h=1 m=53
